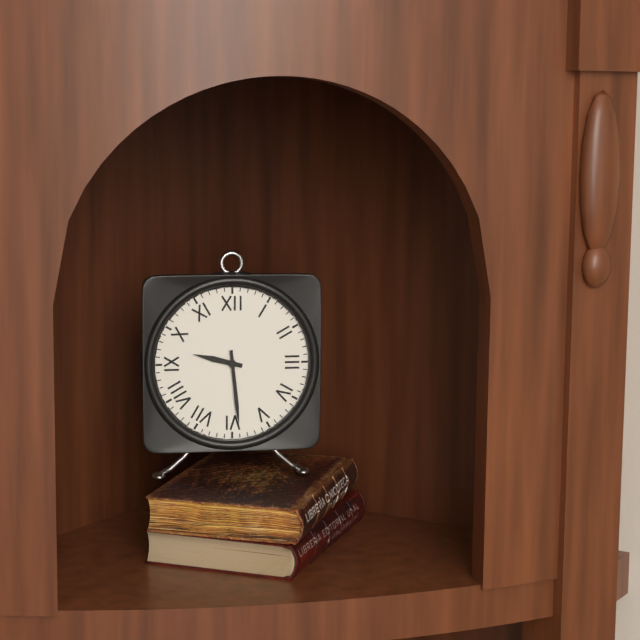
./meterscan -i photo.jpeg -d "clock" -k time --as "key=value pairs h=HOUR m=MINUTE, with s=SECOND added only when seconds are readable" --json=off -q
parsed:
h=9 m=29
